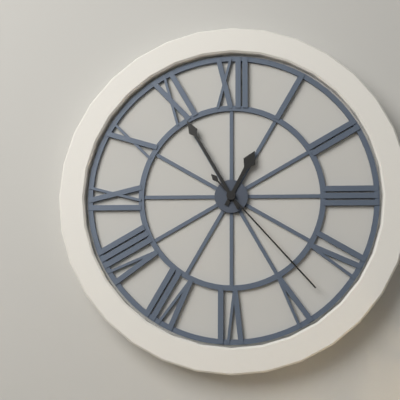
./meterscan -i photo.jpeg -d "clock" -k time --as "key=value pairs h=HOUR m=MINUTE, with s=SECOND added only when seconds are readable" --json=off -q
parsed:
h=12 m=55 s=23
